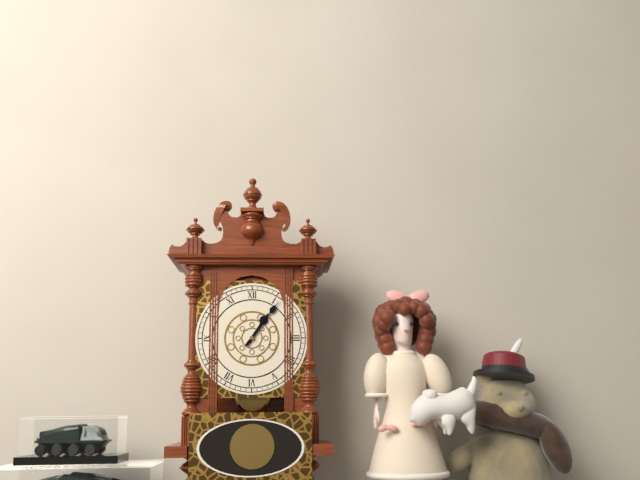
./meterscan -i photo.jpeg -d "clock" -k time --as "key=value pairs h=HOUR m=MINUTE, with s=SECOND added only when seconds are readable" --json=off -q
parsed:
h=1 m=6
